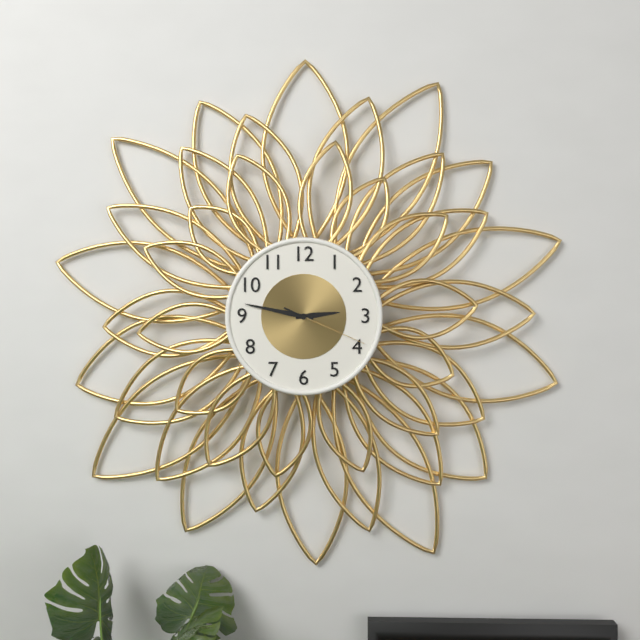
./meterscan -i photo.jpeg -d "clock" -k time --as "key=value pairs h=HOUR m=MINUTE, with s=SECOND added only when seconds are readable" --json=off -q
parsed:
h=2 m=47 s=19
